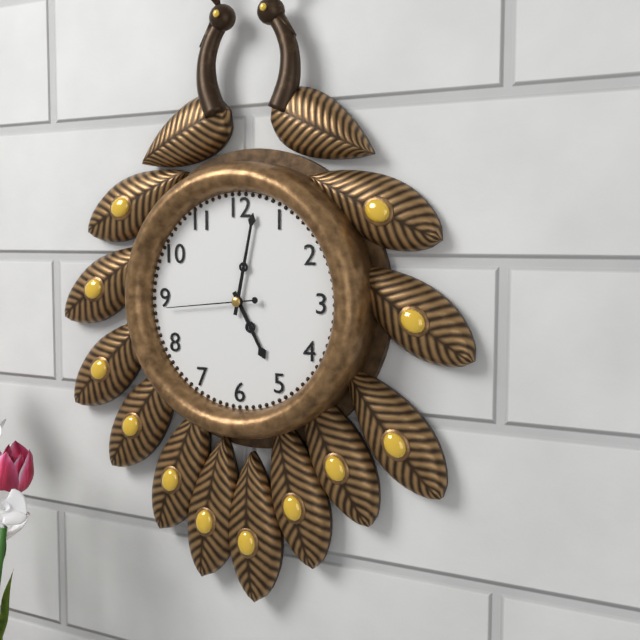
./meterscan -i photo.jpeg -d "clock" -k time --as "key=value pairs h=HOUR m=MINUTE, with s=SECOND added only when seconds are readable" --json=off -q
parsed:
h=5 m=2 s=44
